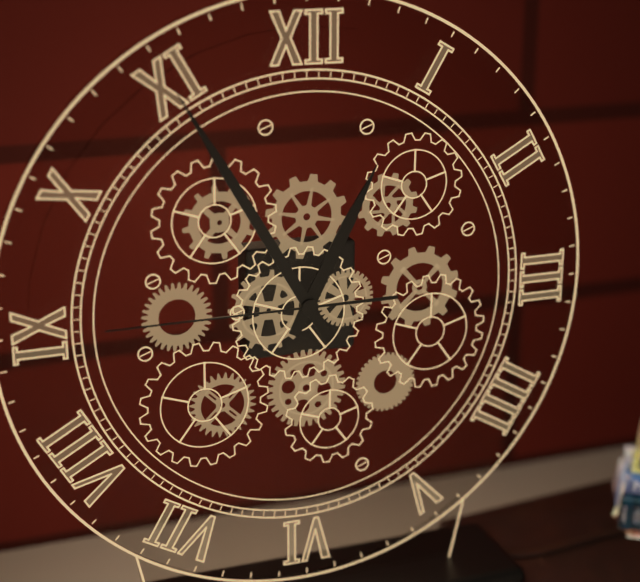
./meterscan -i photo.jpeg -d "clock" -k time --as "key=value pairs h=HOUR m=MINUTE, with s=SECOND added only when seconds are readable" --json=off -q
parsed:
h=12 m=55 s=45
